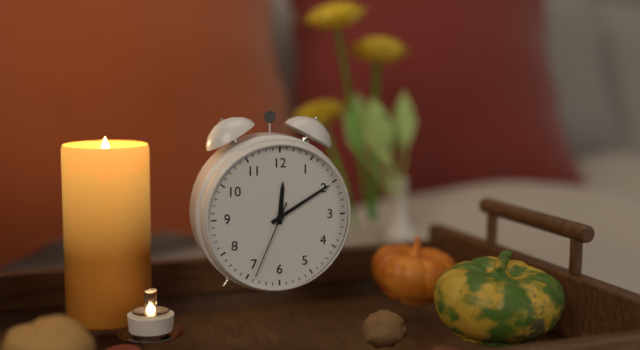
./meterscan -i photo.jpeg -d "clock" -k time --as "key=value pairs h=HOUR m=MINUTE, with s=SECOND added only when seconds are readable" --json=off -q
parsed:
h=12 m=10 s=34
